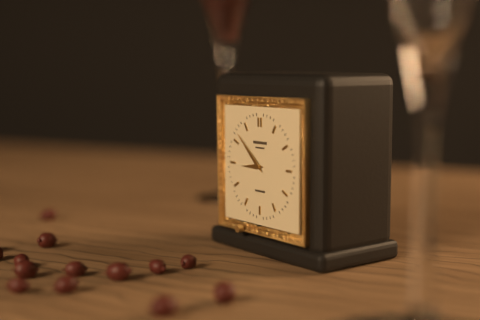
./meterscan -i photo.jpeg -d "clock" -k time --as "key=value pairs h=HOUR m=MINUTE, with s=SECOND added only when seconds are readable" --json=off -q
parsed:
h=8 m=52
